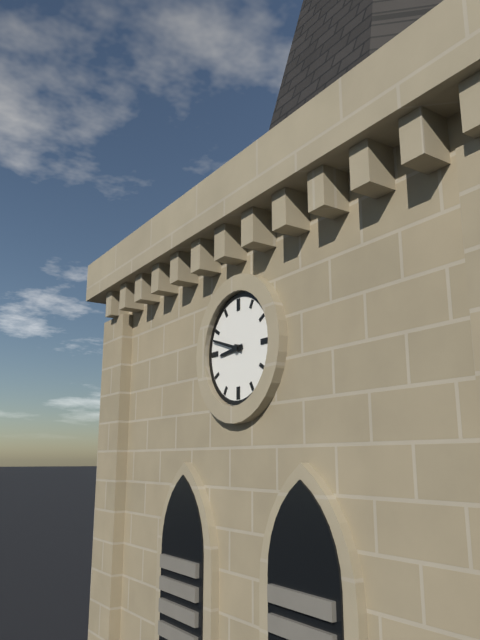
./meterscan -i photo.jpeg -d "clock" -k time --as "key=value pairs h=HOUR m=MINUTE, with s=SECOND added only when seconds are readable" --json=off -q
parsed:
h=8 m=48
